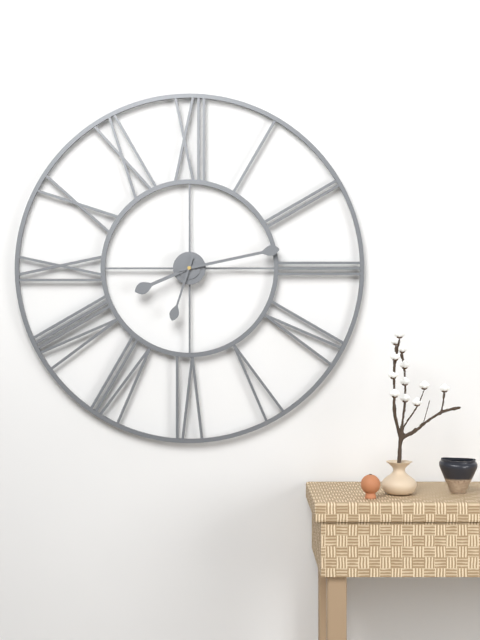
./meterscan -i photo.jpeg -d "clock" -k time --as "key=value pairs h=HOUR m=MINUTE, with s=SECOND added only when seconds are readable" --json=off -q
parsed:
h=8 m=13 s=33
